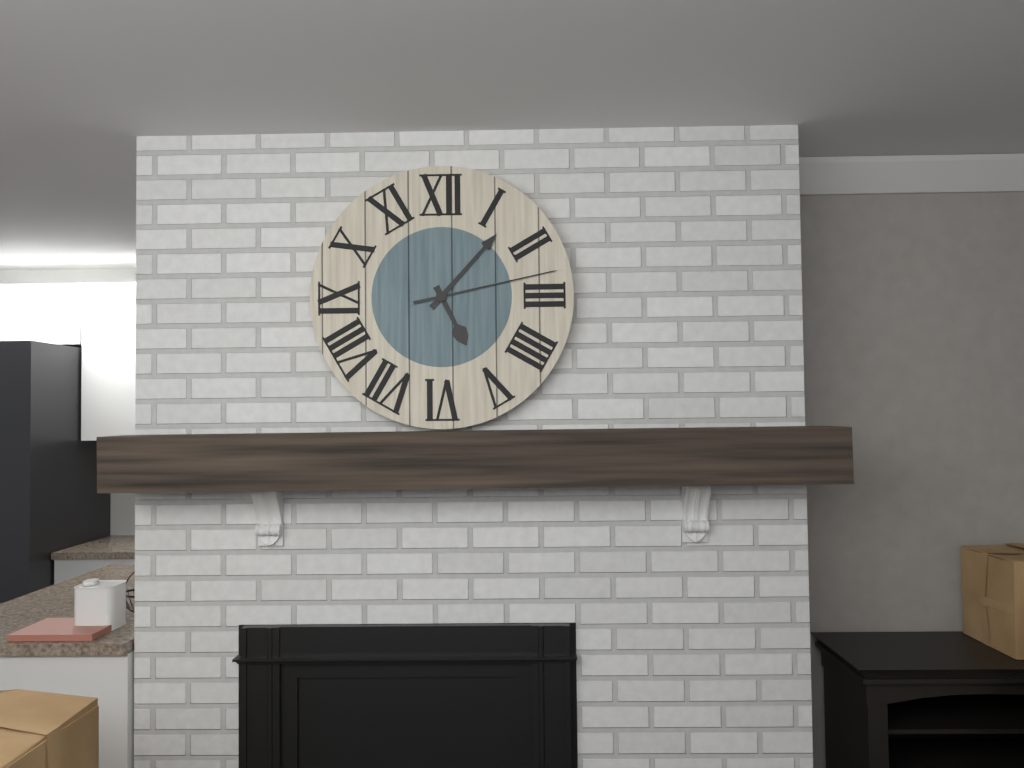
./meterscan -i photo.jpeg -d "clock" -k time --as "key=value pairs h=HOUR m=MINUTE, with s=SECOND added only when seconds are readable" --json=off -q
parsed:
h=5 m=7 s=13
